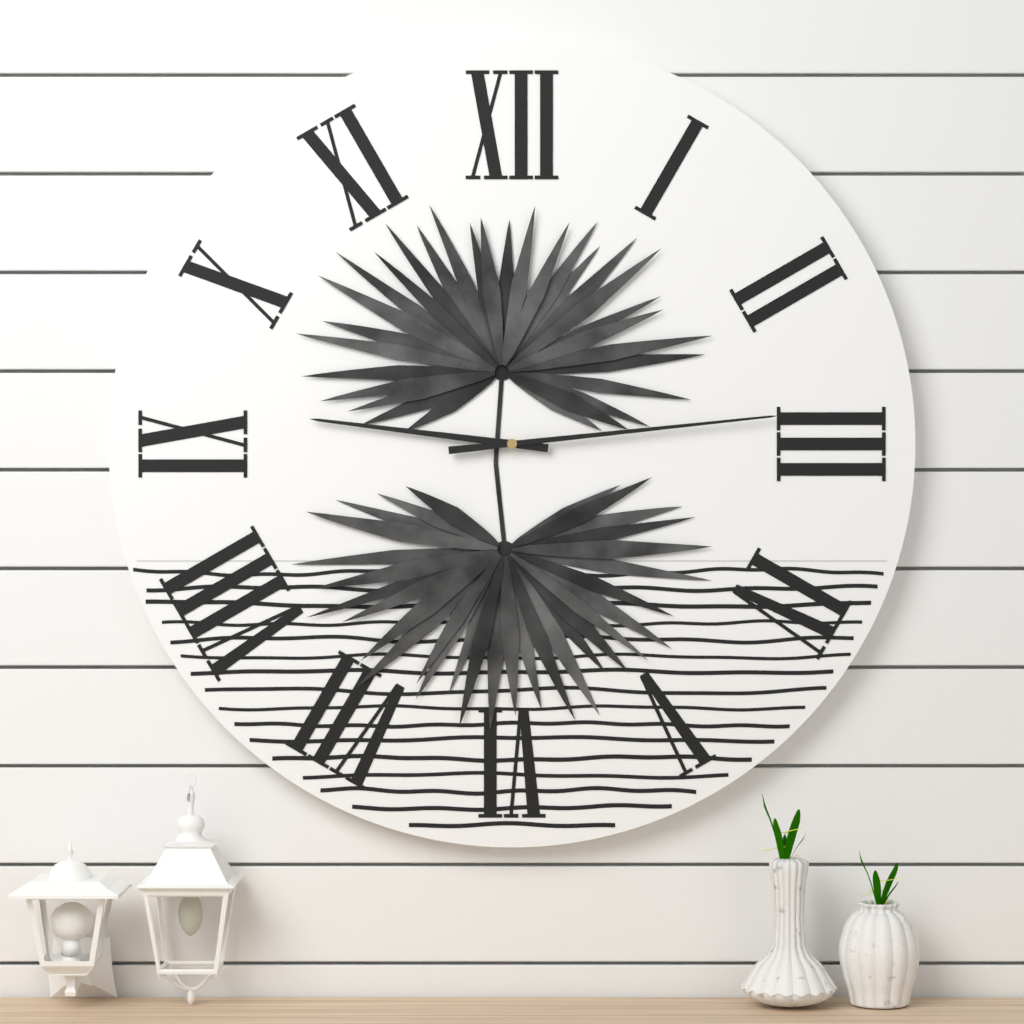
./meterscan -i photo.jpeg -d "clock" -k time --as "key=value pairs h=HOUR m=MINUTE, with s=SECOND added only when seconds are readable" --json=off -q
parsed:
h=9 m=14
